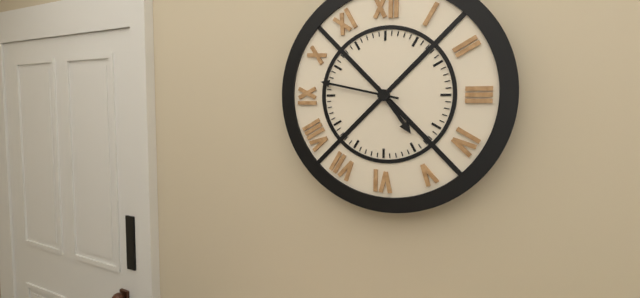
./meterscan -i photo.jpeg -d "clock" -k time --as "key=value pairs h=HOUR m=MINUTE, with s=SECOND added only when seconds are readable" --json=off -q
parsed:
h=4 m=47
